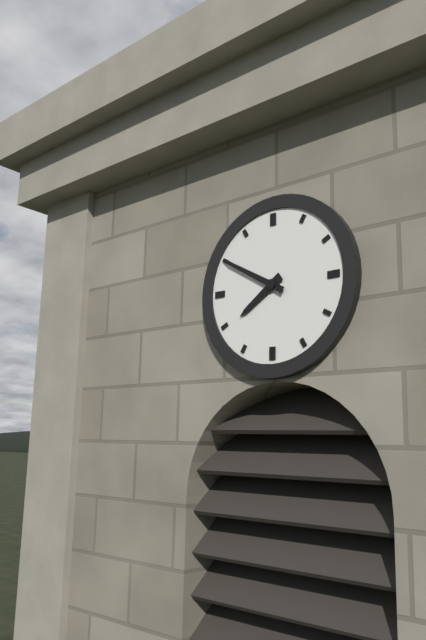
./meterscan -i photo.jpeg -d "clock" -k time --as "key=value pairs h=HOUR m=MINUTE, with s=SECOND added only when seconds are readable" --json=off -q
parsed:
h=7 m=50
